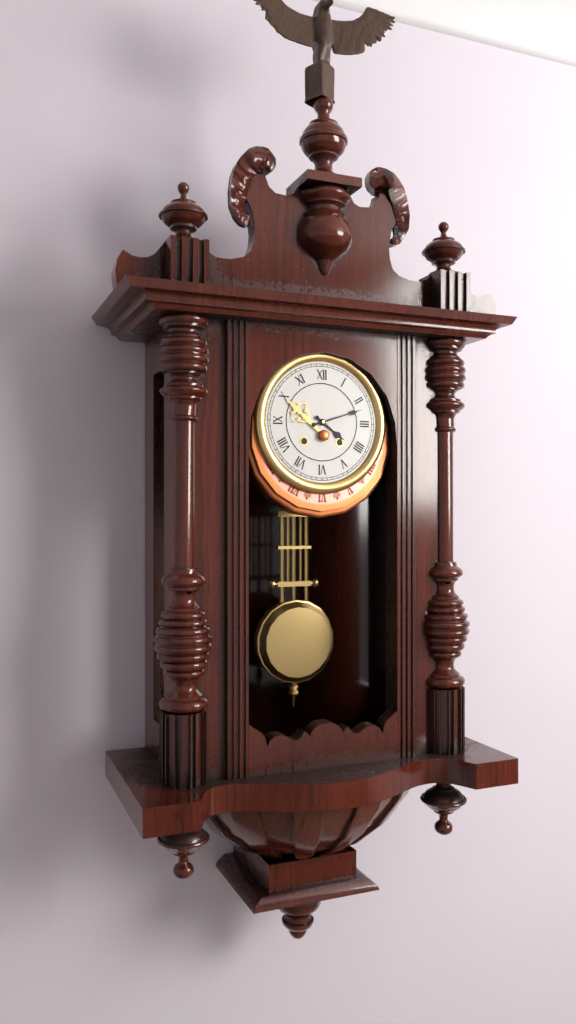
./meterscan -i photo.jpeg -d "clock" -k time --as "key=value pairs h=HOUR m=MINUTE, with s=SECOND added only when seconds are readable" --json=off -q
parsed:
h=4 m=12
